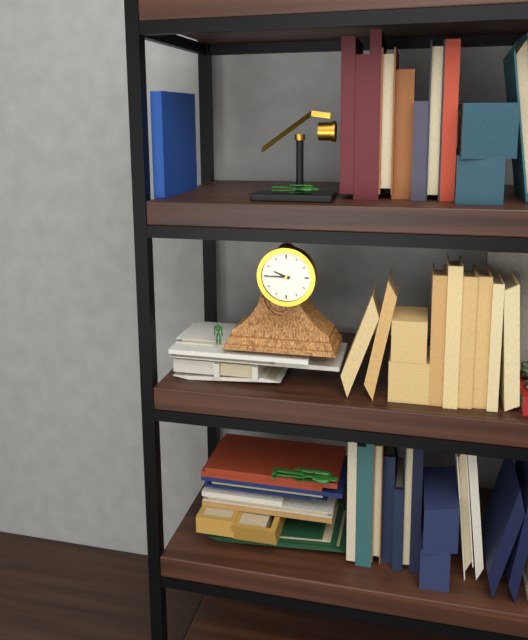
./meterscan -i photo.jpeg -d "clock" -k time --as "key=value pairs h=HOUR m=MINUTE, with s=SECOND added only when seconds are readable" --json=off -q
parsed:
h=9 m=45
